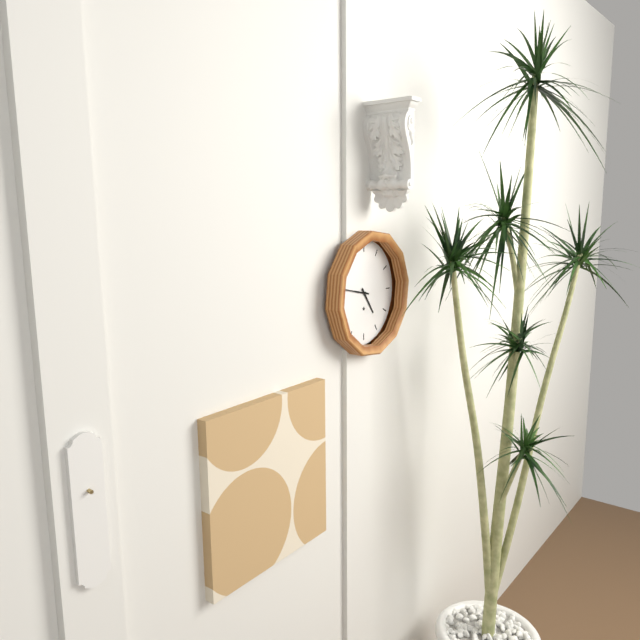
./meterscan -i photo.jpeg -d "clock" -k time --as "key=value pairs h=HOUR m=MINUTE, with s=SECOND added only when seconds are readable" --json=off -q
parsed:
h=4 m=47
